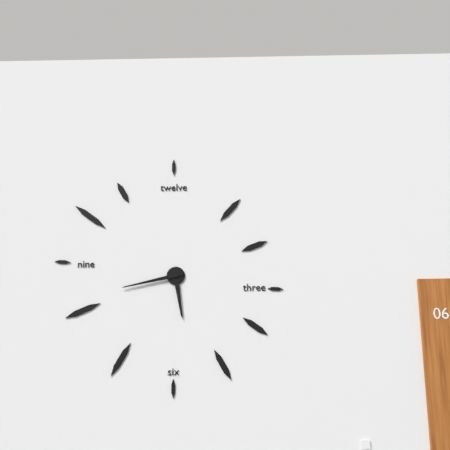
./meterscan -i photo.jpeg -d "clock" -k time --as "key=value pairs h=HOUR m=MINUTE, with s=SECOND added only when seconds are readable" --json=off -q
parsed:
h=5 m=43
